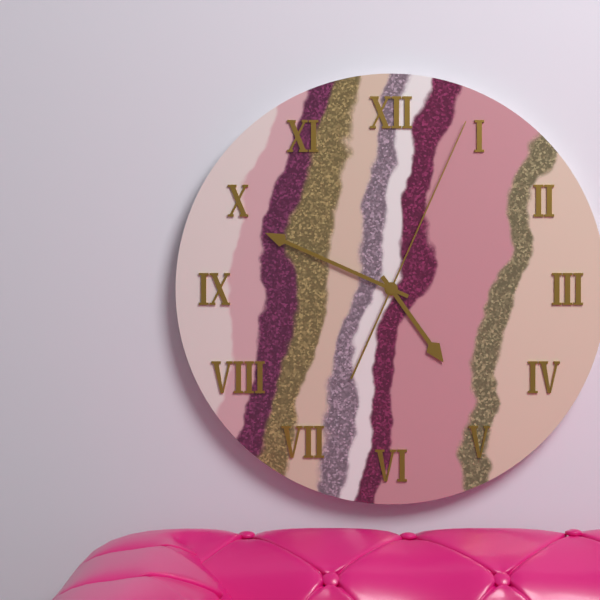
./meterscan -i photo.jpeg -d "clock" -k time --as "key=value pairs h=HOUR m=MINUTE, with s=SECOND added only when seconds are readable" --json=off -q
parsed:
h=4 m=49 s=4
